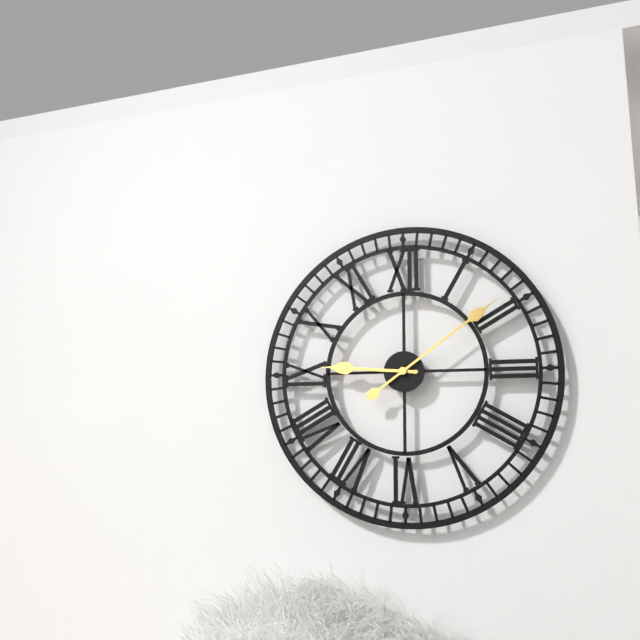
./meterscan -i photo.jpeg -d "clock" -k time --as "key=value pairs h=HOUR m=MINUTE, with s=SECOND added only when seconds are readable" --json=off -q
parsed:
h=9 m=9
